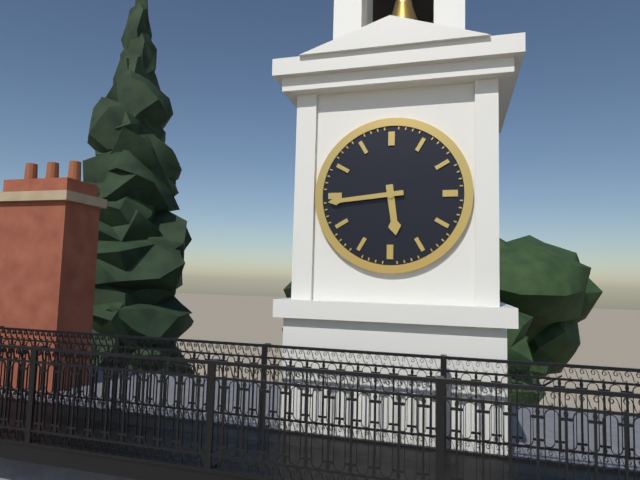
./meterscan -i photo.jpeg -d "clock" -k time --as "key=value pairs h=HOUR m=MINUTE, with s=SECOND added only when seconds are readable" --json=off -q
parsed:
h=5 m=44
